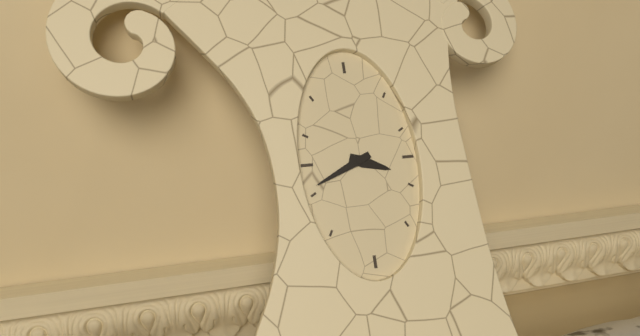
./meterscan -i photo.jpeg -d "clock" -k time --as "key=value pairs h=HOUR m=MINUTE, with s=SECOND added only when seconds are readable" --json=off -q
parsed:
h=3 m=41
